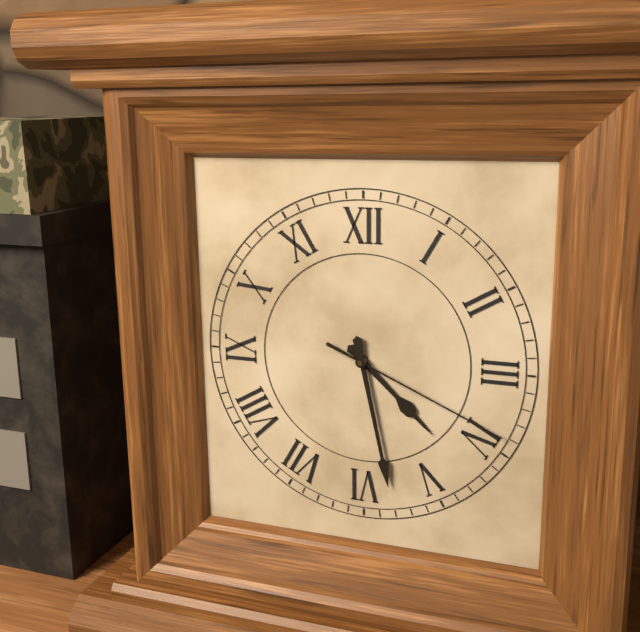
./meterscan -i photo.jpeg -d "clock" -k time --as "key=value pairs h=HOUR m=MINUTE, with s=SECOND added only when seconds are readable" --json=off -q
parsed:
h=4 m=28 s=19
